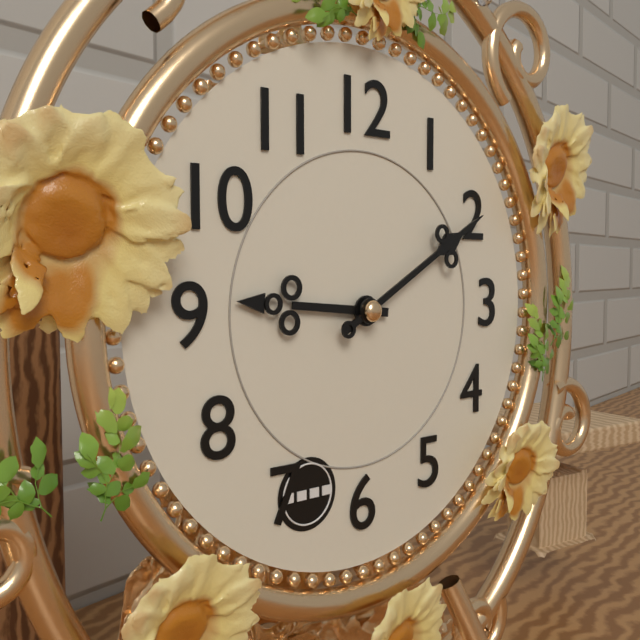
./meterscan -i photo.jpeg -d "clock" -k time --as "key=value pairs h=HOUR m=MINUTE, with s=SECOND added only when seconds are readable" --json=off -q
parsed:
h=9 m=10
